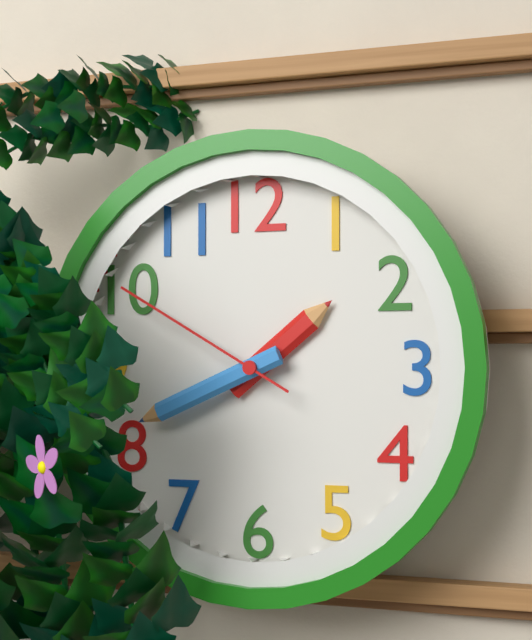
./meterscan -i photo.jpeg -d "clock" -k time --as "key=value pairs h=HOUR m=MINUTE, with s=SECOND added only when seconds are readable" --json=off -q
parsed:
h=1 m=41 s=50
